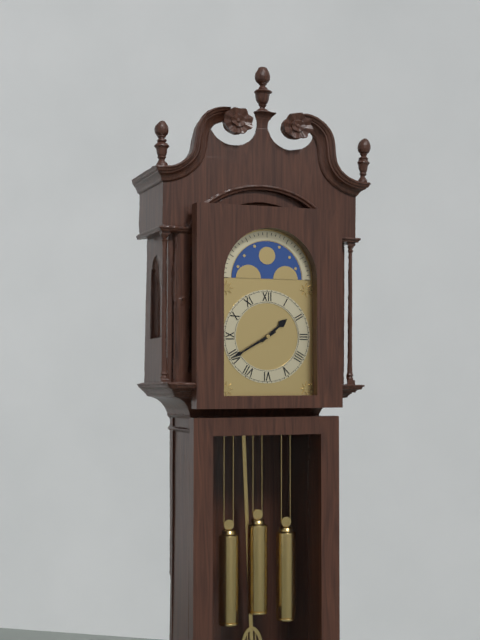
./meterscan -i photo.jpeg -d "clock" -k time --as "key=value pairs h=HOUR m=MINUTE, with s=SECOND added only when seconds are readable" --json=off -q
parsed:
h=1 m=40
